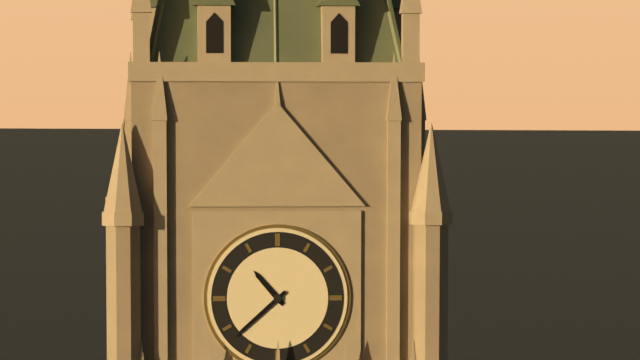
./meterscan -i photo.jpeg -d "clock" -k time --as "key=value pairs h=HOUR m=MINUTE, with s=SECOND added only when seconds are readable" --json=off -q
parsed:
h=10 m=38
